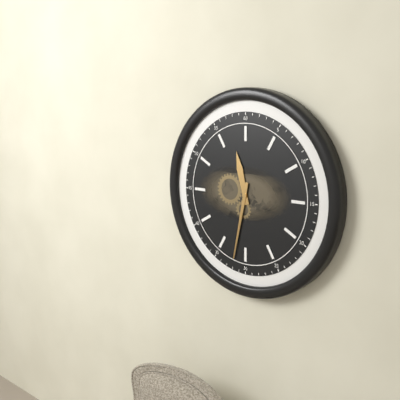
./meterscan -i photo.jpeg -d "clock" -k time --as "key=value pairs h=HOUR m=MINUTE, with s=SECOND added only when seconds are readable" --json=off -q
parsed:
h=11 m=32
